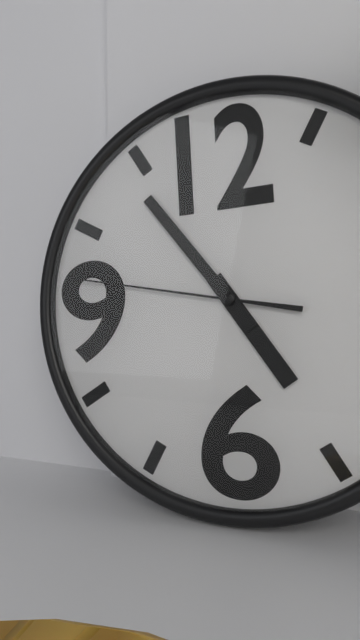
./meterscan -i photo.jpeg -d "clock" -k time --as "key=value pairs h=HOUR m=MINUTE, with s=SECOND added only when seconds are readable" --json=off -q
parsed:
h=4 m=54 s=47
